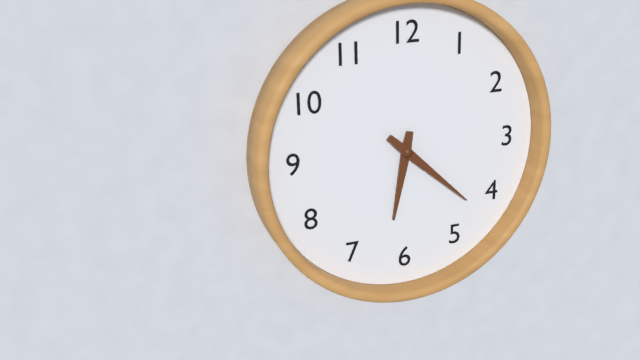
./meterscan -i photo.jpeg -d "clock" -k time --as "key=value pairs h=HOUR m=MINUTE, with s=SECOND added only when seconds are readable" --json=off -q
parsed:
h=6 m=22
